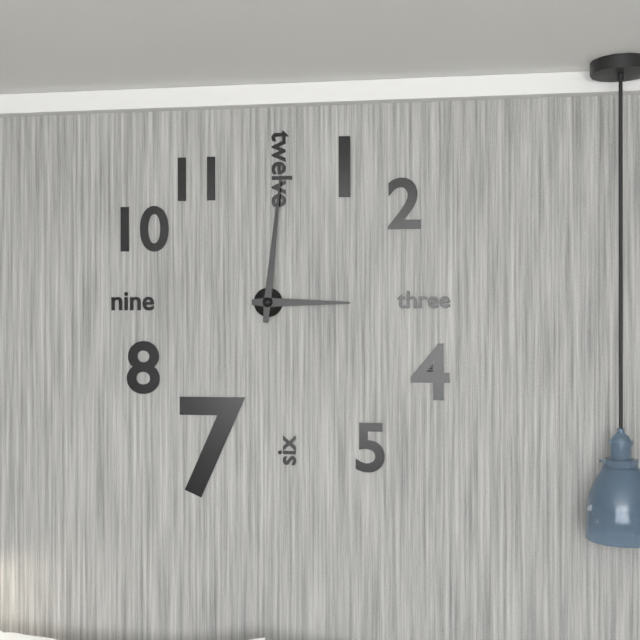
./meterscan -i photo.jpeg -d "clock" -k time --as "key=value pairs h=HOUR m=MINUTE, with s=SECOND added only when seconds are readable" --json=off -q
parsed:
h=3 m=1
